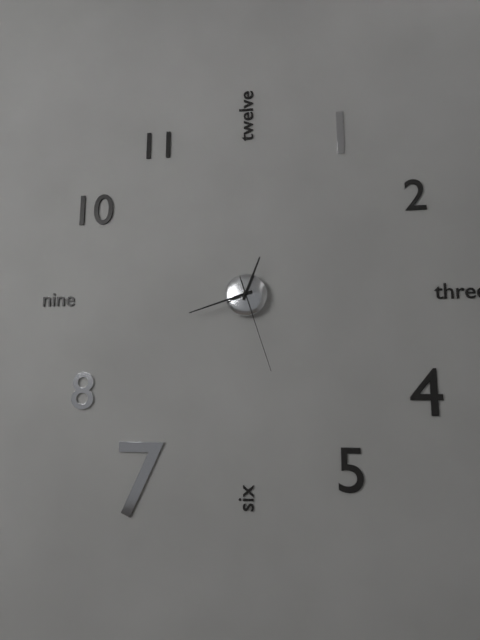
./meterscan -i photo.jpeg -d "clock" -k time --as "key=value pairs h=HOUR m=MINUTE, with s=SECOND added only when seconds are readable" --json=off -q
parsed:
h=12 m=42 s=27
